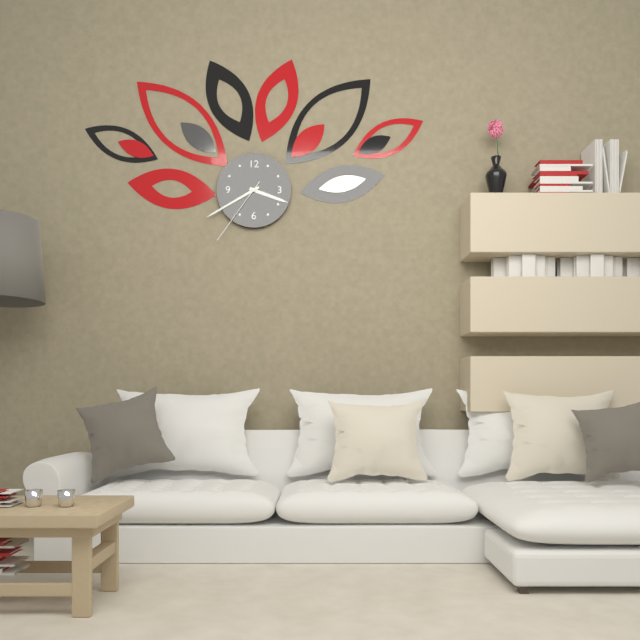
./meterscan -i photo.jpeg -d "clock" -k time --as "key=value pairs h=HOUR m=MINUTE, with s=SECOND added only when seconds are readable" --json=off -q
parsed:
h=3 m=40 s=36
